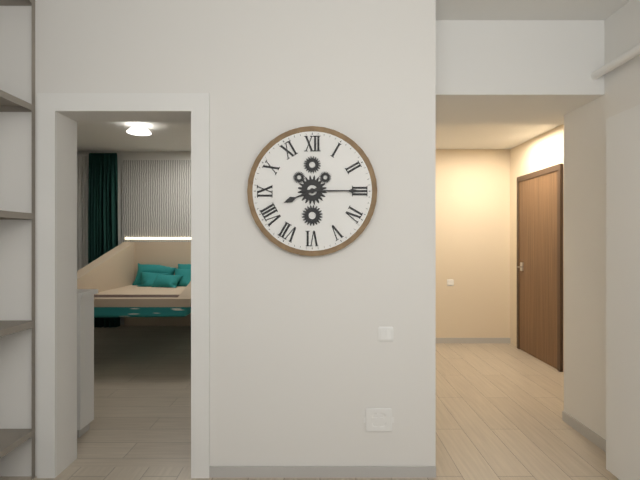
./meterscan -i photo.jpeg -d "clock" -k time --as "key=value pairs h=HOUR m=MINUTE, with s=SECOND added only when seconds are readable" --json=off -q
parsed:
h=8 m=15
